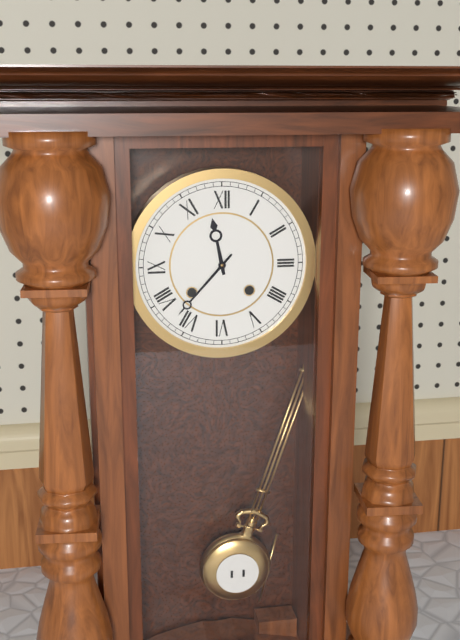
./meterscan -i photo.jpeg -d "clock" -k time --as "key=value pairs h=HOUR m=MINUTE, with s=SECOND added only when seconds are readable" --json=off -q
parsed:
h=11 m=37
